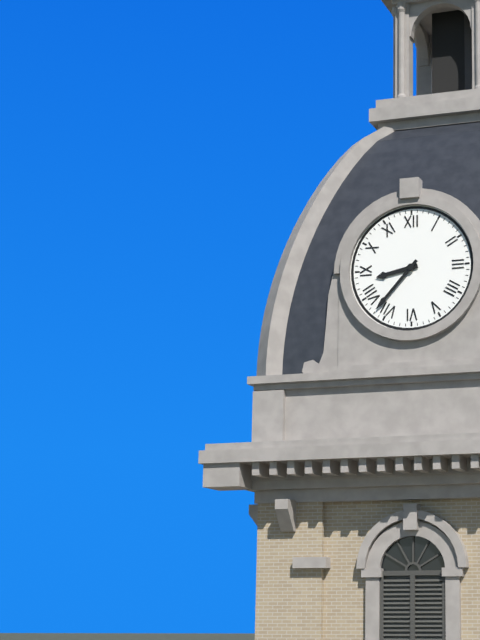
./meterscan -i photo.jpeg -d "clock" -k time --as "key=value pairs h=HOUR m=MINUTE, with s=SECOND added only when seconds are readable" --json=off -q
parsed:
h=8 m=37
